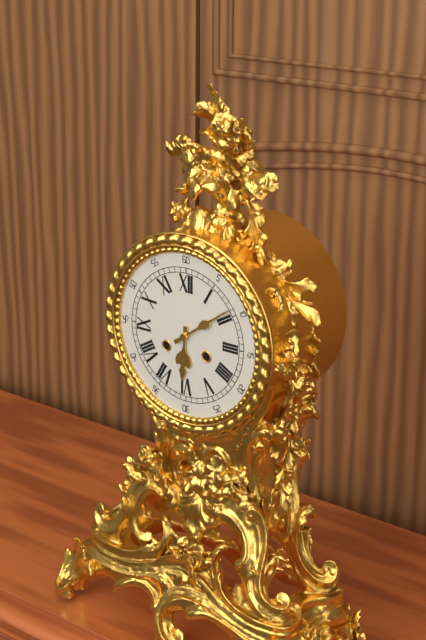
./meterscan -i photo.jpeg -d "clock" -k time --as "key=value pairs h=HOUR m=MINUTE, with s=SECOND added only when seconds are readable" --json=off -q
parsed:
h=6 m=9
